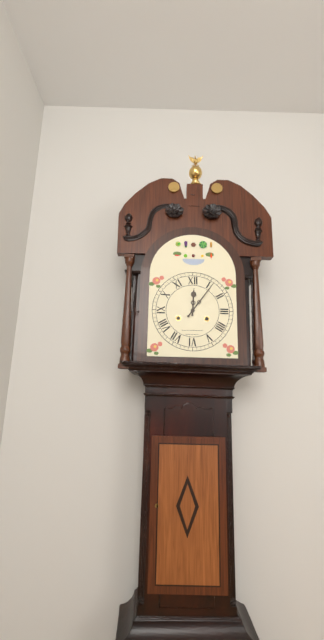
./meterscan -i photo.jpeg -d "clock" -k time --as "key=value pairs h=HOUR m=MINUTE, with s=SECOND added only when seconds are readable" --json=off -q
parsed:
h=12 m=6
